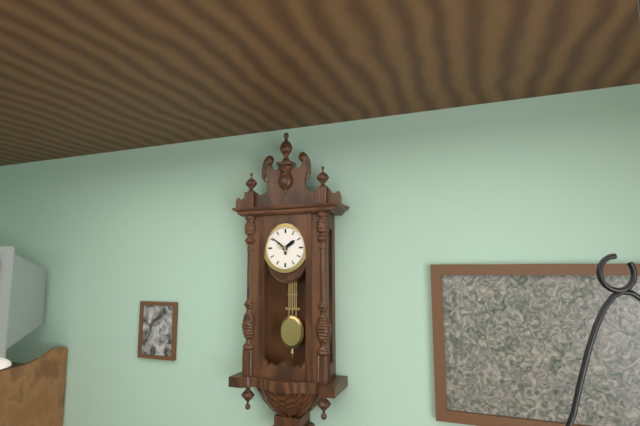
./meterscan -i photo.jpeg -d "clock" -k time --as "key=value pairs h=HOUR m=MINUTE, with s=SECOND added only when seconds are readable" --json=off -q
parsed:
h=1 m=51
